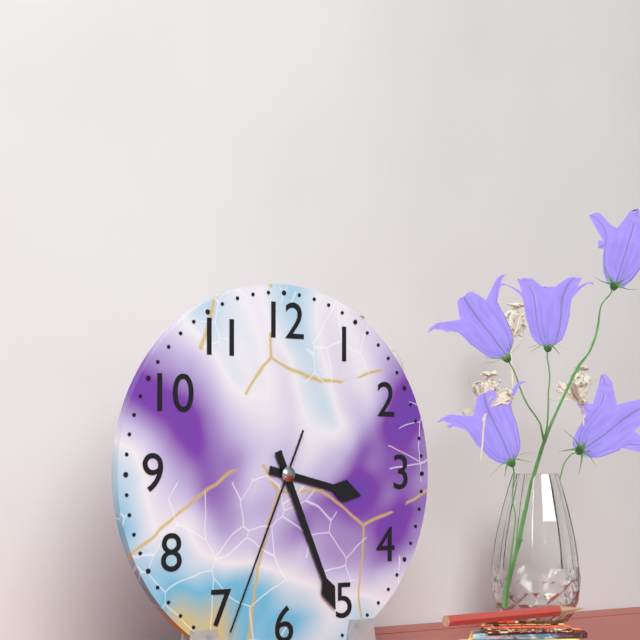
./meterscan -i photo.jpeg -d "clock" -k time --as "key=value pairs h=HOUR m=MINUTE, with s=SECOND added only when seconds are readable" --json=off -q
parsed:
h=3 m=26 s=34
